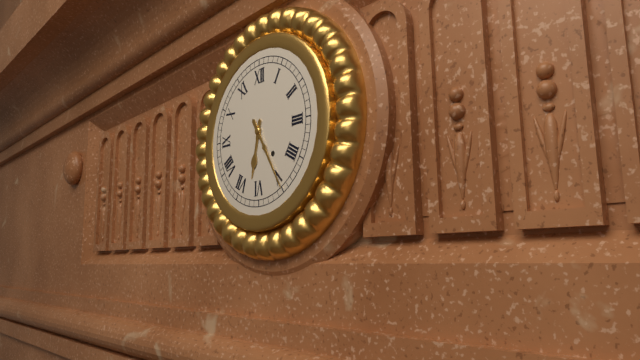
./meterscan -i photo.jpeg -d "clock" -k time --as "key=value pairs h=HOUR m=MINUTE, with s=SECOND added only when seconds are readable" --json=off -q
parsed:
h=6 m=25
